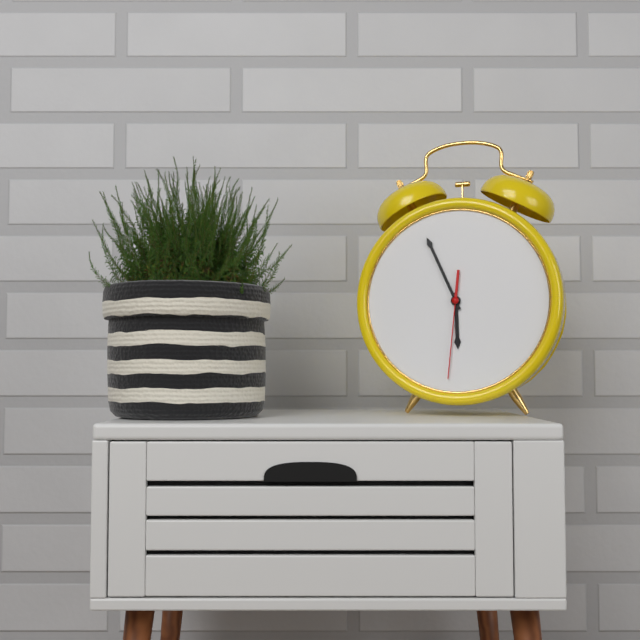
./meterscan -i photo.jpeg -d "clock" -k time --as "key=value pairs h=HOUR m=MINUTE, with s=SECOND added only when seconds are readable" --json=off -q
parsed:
h=5 m=56 s=31
